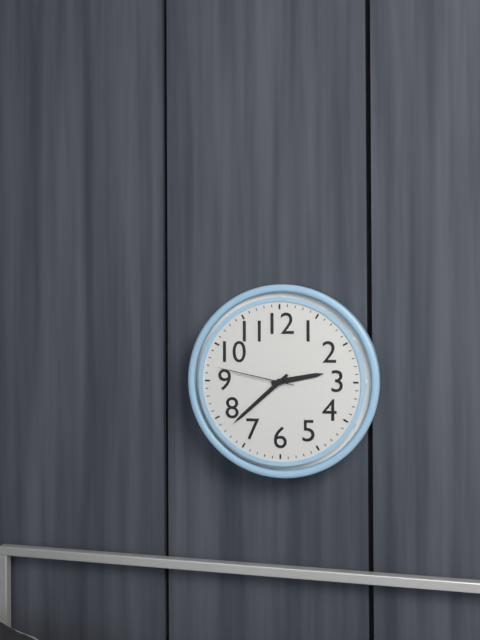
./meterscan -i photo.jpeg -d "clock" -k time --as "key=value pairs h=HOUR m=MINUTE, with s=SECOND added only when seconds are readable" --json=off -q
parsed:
h=2 m=38 s=47
